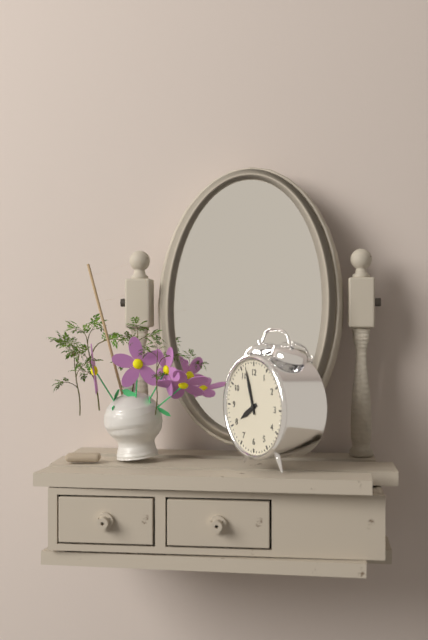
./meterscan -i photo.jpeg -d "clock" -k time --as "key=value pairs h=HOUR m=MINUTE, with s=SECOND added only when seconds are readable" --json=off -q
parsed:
h=7 m=57
